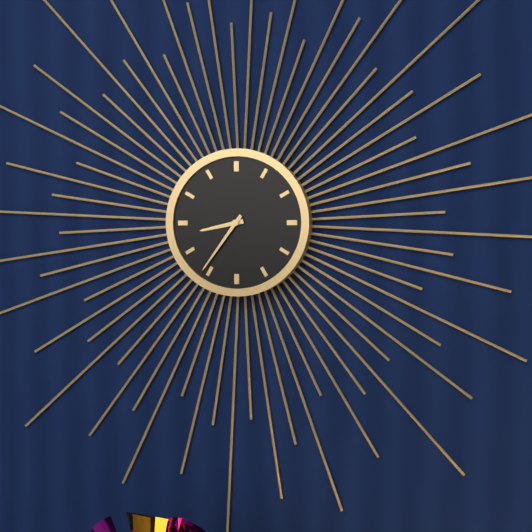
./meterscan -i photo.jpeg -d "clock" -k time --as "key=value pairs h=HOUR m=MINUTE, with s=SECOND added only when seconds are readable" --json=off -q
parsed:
h=8 m=36
